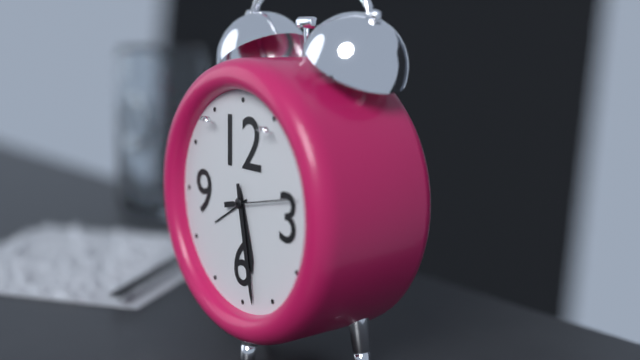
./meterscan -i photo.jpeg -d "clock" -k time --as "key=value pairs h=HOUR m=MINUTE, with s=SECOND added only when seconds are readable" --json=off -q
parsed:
h=5 m=28 s=13
